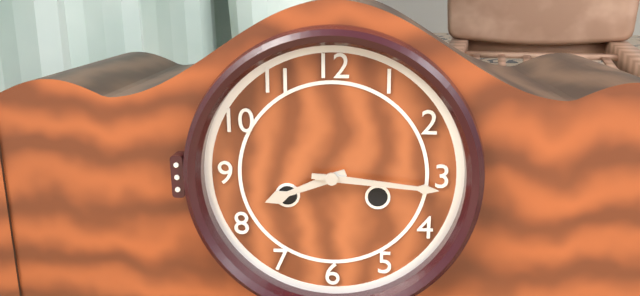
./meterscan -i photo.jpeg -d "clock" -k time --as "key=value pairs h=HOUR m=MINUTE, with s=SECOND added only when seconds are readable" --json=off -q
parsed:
h=8 m=16
